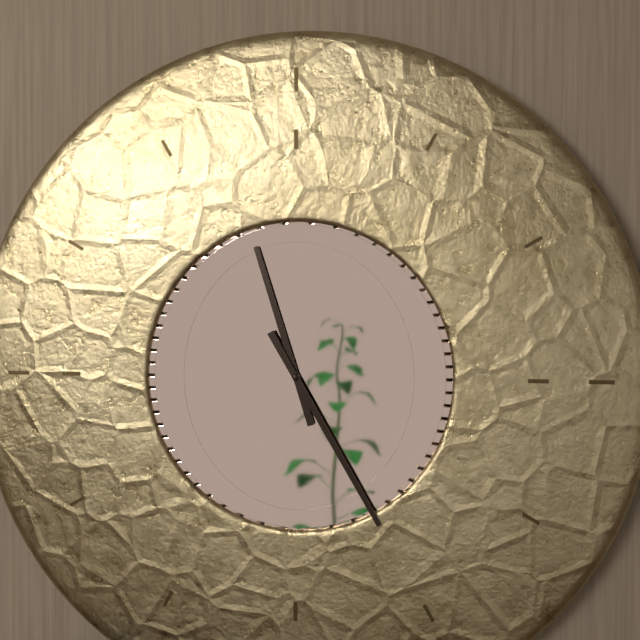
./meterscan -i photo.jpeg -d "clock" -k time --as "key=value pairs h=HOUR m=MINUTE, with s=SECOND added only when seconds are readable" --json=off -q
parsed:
h=11 m=25
